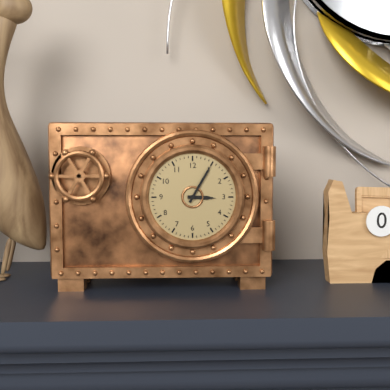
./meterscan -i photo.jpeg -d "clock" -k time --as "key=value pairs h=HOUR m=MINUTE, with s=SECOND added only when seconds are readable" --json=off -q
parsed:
h=3 m=5
